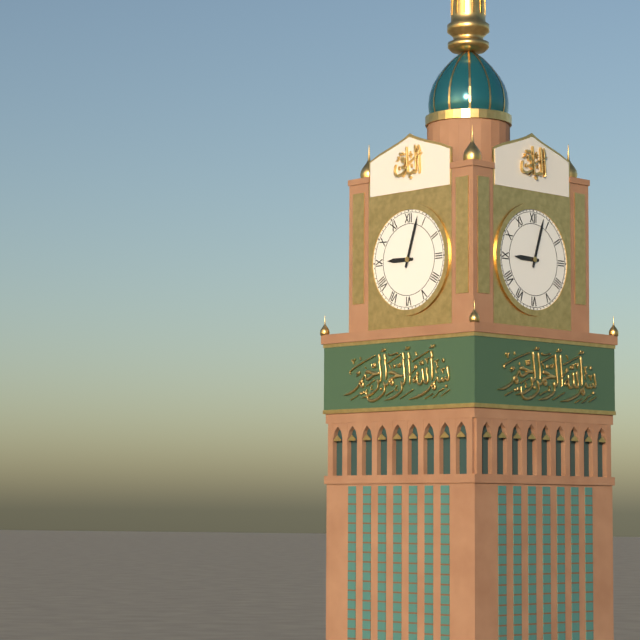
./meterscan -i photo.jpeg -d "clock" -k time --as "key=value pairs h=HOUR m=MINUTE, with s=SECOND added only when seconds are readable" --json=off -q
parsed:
h=9 m=3
